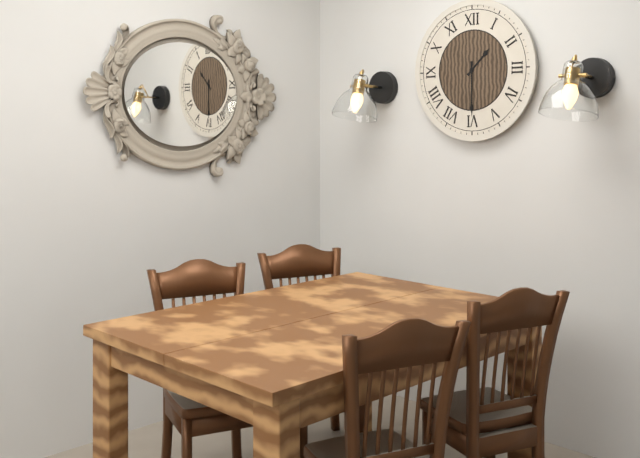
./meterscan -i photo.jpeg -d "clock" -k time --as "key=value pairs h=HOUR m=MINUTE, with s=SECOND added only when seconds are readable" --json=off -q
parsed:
h=1 m=30
